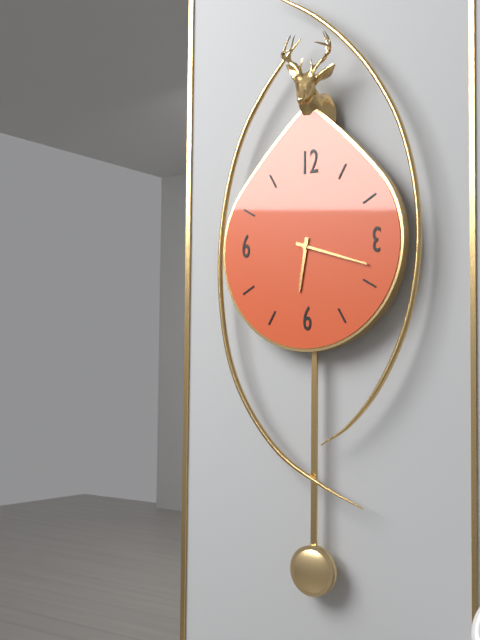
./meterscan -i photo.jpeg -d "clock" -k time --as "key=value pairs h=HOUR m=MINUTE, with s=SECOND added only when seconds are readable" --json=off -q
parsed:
h=6 m=18
